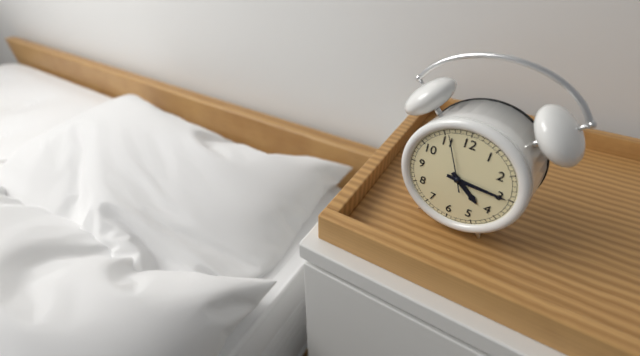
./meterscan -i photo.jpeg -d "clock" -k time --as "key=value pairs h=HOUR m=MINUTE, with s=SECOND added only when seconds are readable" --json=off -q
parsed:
h=4 m=15 s=56
